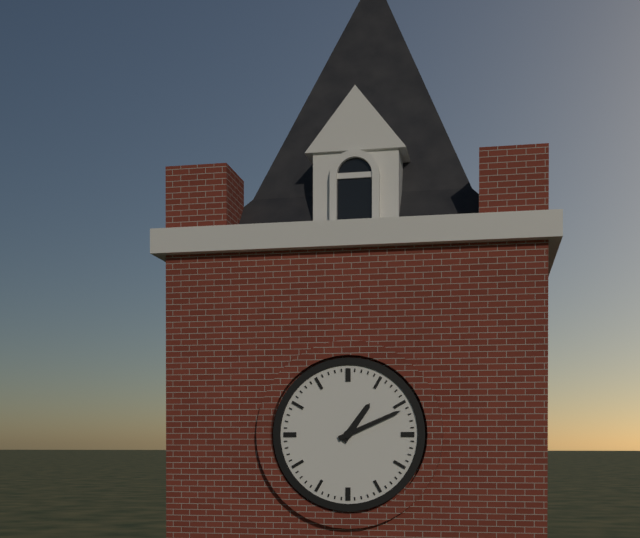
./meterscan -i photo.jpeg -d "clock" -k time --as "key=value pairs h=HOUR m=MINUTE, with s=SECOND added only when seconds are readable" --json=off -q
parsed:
h=1 m=11
